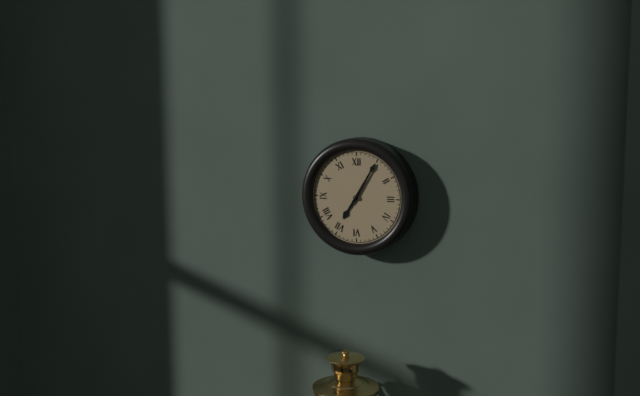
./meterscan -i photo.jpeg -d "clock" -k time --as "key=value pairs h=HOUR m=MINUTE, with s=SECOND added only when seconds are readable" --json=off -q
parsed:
h=7 m=5
